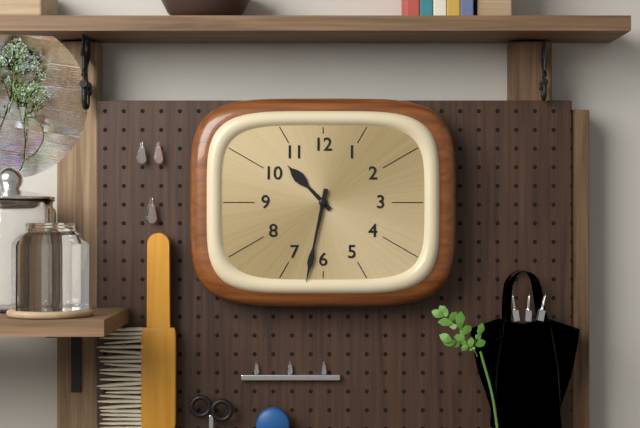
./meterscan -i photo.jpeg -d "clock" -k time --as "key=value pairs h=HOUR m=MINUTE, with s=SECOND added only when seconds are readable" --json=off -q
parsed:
h=10 m=32
